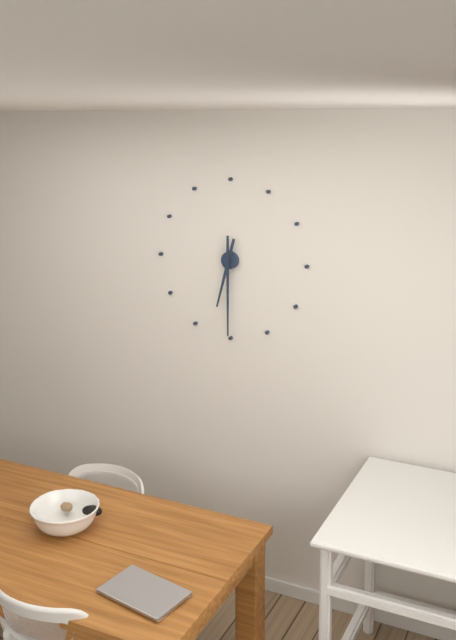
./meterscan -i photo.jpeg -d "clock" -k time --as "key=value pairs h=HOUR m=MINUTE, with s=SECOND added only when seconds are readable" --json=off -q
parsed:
h=6 m=30
